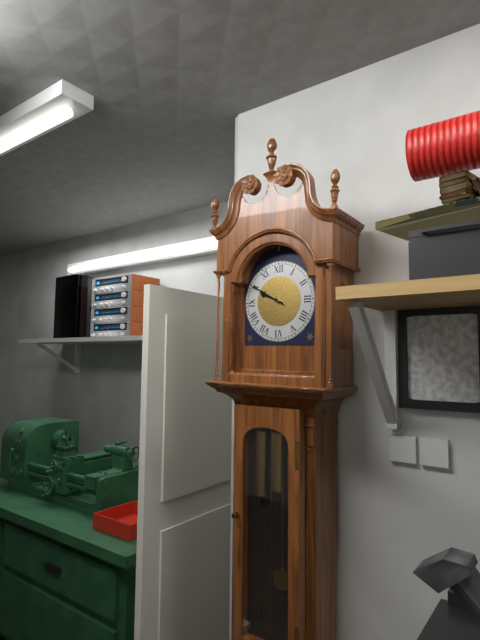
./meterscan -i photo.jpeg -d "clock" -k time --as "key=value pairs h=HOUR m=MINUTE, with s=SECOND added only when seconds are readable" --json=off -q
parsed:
h=9 m=50
